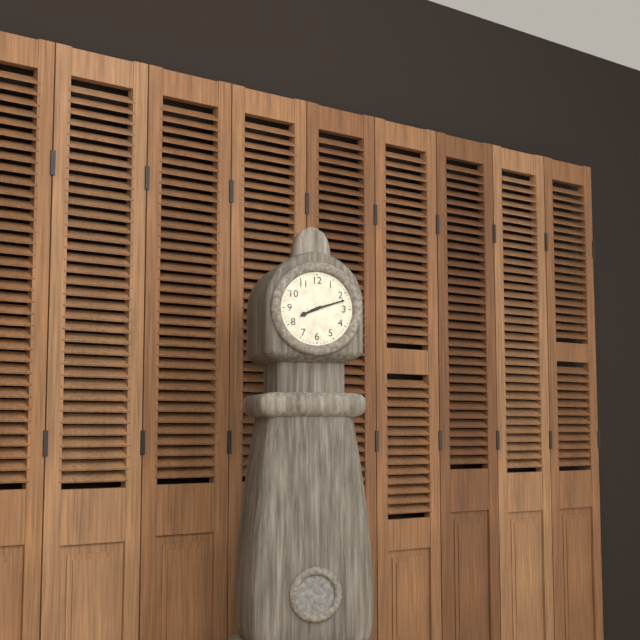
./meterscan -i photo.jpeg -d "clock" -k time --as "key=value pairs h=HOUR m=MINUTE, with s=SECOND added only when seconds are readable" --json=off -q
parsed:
h=8 m=12
